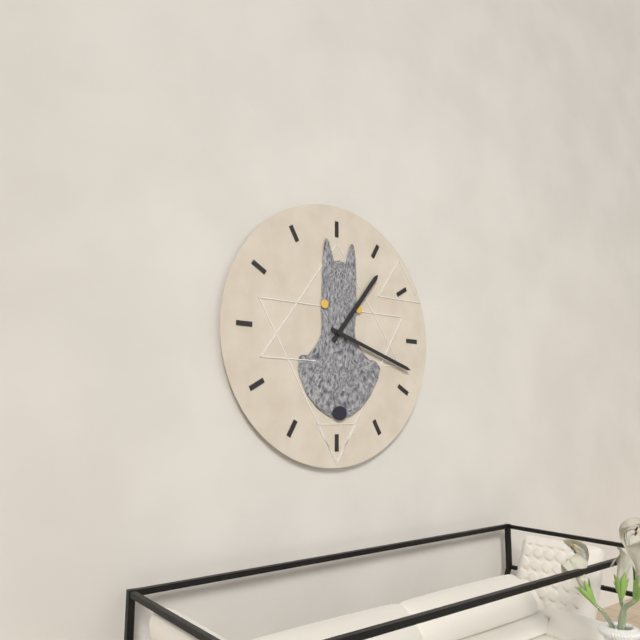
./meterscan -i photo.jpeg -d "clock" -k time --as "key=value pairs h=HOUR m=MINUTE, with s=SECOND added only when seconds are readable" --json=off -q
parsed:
h=1 m=18
